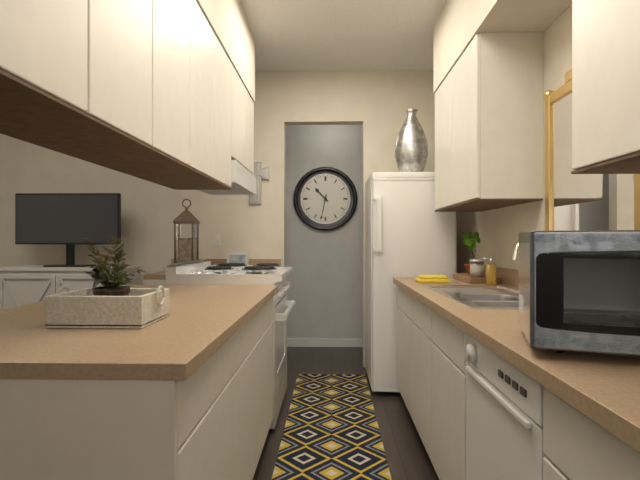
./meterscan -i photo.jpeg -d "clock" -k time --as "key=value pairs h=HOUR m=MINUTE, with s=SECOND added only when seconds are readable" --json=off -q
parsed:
h=10 m=32
